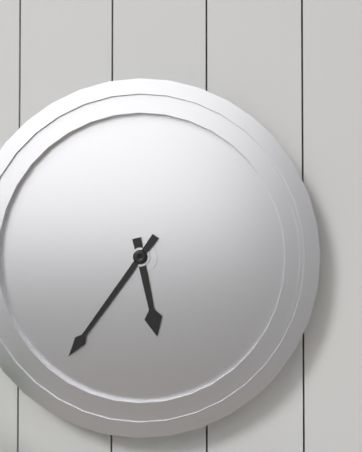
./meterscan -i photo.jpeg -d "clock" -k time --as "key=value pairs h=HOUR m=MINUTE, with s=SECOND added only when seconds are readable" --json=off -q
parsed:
h=5 m=36
